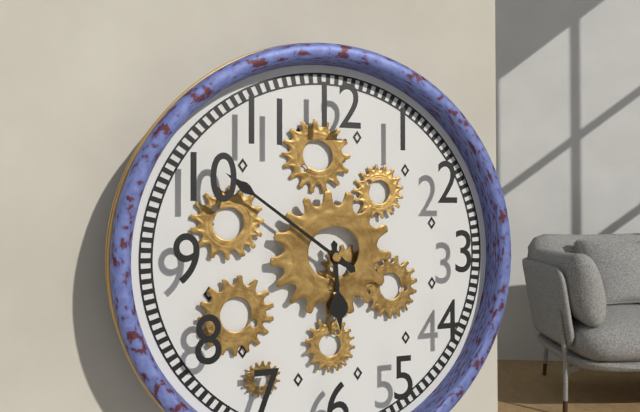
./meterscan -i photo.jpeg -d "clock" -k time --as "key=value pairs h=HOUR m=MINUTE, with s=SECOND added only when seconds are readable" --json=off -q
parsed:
h=5 m=51
